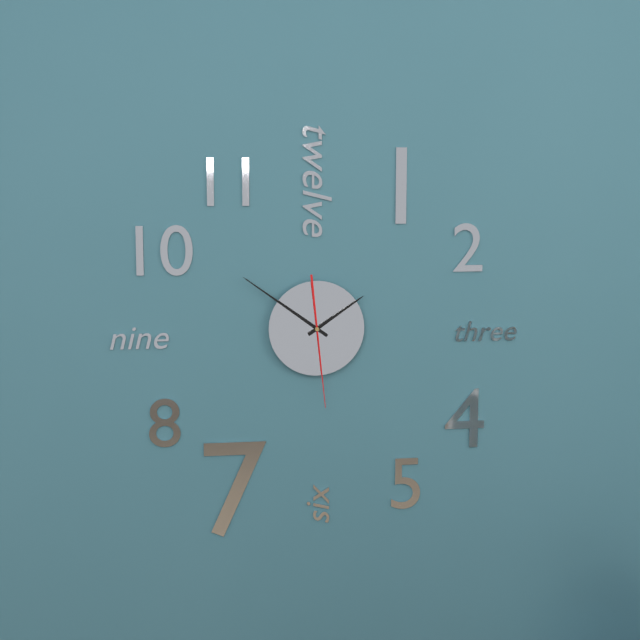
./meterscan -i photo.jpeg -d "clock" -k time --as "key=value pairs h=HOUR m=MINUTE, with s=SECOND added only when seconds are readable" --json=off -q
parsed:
h=1 m=51 s=29
